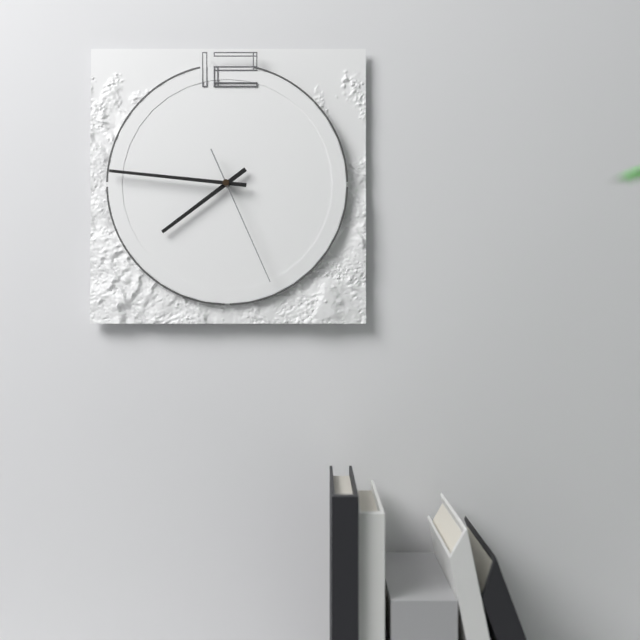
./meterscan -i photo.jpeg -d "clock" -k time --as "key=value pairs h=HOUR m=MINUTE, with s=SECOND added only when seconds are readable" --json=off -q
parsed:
h=7 m=46 s=26
